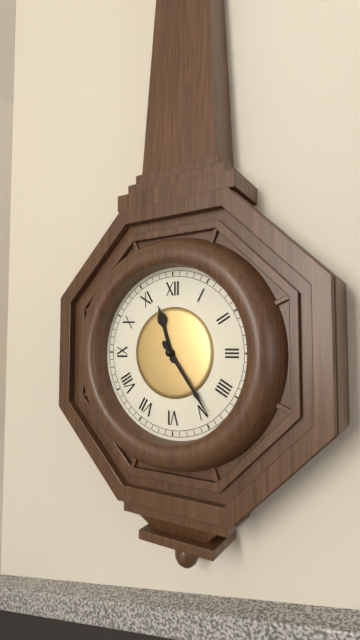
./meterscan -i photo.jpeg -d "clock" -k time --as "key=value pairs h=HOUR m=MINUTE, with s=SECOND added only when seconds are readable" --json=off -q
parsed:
h=11 m=24
